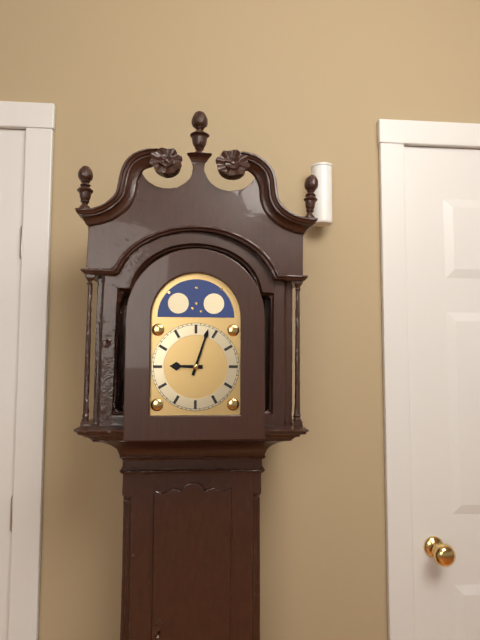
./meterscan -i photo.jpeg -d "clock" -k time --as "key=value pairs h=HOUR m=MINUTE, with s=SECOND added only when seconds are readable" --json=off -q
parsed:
h=9 m=3
